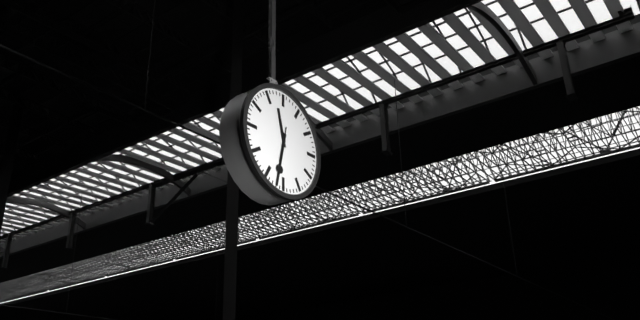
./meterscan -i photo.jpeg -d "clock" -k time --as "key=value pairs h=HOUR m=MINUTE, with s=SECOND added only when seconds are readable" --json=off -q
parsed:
h=11 m=32
